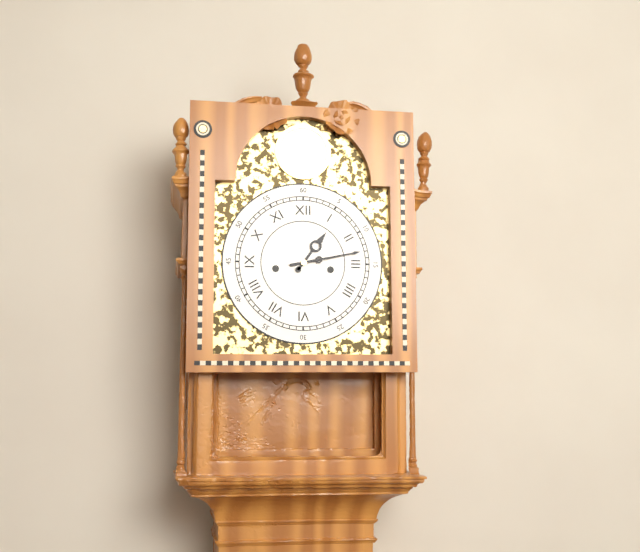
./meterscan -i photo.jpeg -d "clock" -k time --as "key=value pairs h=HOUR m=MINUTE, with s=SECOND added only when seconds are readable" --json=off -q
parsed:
h=1 m=13
